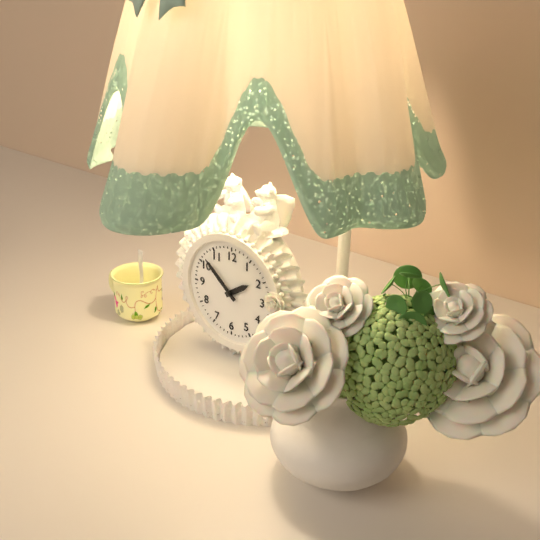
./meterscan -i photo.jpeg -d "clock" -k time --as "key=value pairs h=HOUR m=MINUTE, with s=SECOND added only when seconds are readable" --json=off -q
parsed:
h=1 m=52
